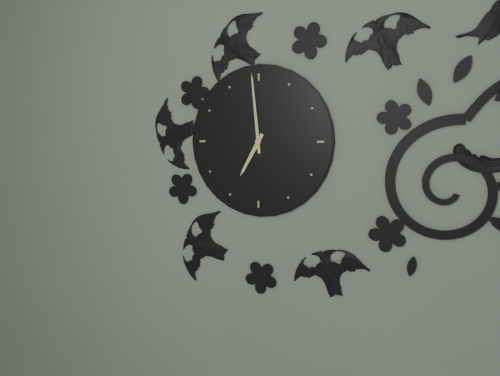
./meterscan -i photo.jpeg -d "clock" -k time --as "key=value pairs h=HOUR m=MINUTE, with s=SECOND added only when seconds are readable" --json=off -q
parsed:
h=6 m=59
